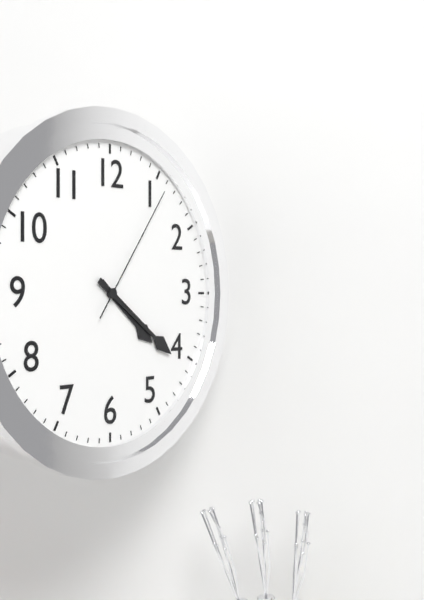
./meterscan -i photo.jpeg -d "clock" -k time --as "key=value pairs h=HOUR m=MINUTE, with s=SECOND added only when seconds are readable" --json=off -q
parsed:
h=4 m=21 s=6
